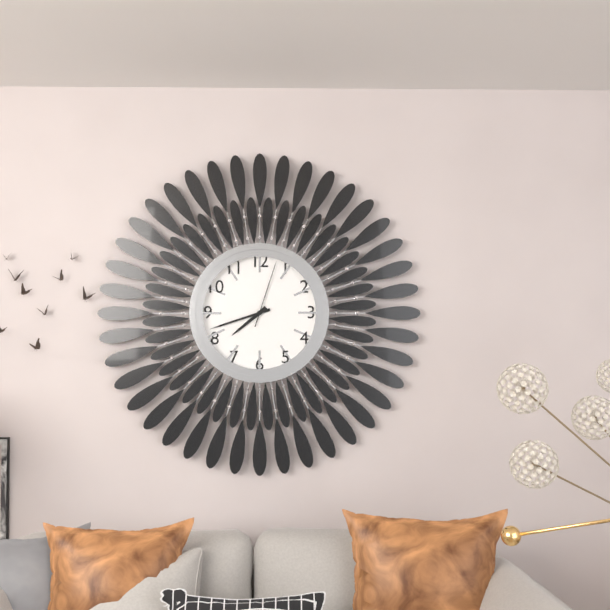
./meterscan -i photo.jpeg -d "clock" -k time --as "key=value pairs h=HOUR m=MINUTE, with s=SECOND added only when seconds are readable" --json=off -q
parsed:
h=7 m=42 s=3
